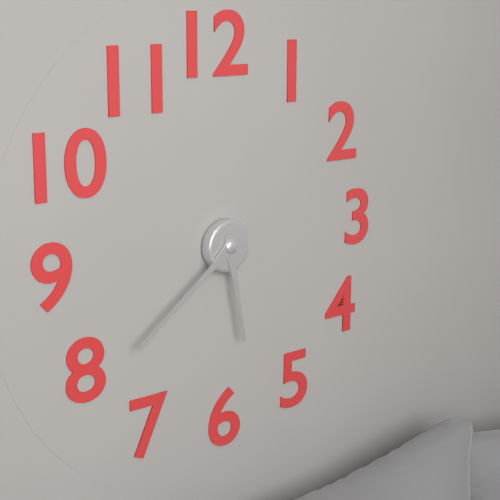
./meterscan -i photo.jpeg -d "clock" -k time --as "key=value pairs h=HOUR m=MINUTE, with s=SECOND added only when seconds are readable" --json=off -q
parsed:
h=5 m=39
